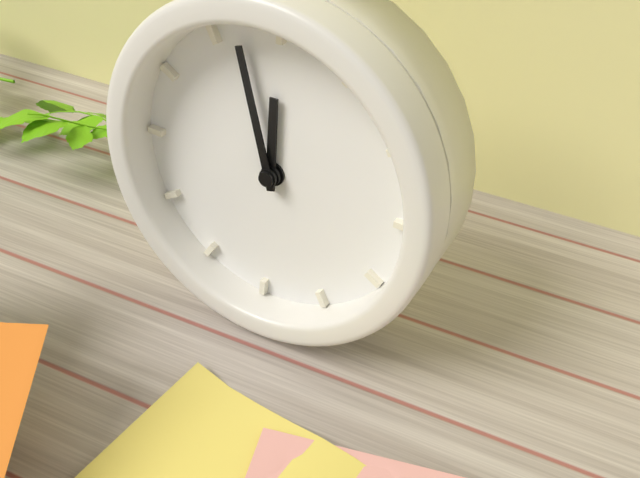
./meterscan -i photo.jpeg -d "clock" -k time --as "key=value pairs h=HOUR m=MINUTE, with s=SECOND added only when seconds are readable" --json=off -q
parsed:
h=11 m=57
